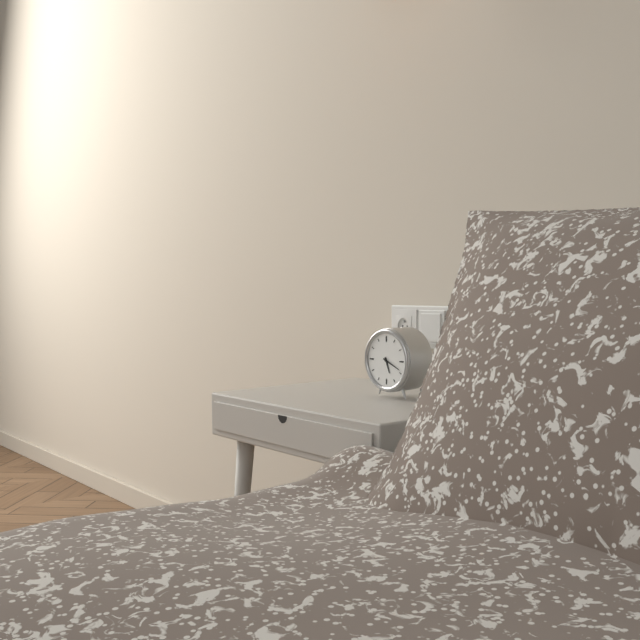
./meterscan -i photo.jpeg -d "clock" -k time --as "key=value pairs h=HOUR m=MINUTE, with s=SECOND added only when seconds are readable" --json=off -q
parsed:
h=5 m=19
